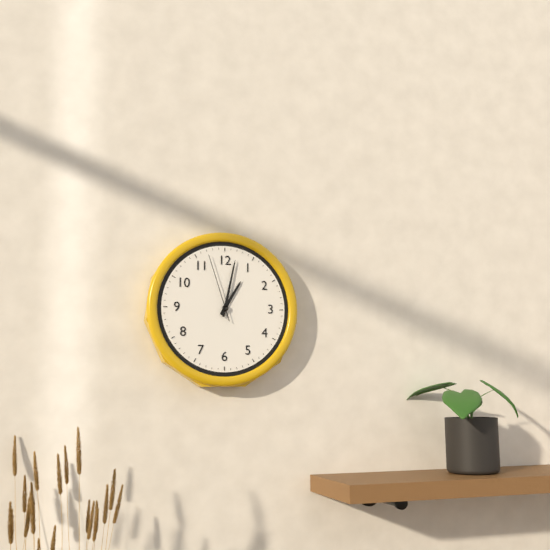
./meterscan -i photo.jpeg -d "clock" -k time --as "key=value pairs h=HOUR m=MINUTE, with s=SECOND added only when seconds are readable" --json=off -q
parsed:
h=1 m=2 s=57
